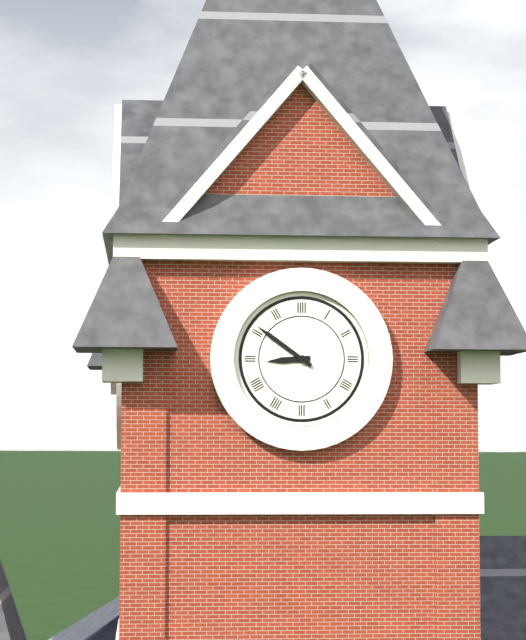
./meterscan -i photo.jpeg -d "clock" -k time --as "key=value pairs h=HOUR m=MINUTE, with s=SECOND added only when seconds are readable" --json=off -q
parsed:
h=8 m=51
